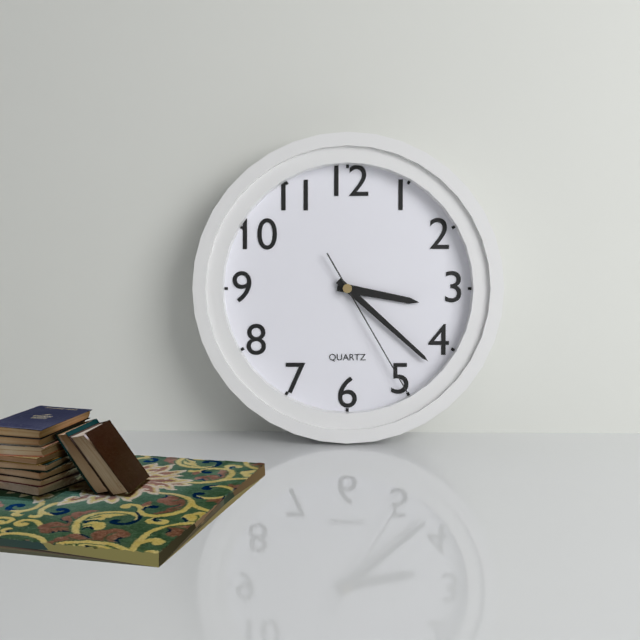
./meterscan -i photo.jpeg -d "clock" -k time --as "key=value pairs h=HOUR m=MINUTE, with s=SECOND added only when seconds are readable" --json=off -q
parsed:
h=3 m=22 s=25
